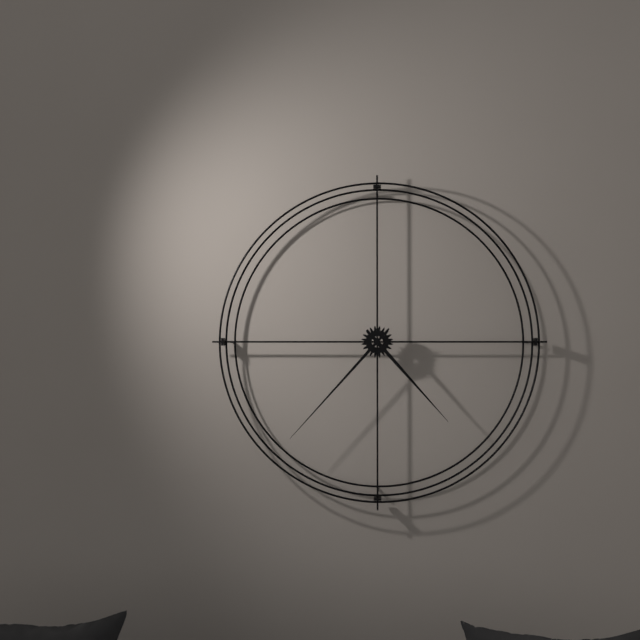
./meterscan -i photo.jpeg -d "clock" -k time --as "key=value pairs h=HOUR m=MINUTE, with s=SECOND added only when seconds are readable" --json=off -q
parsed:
h=4 m=37
